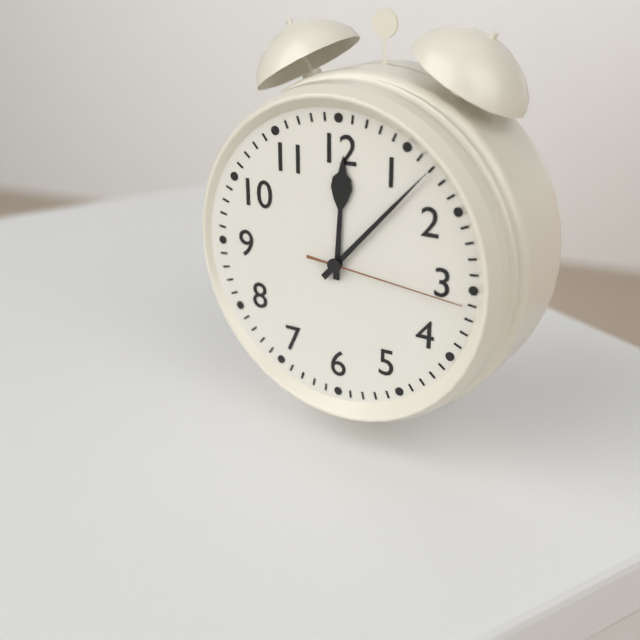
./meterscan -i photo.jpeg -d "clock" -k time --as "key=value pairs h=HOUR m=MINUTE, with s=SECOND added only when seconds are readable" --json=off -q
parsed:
h=12 m=7 s=16
